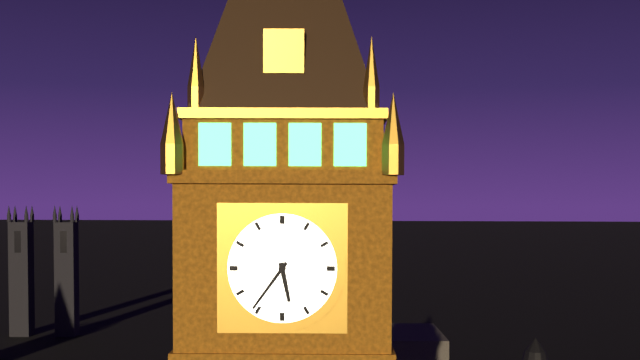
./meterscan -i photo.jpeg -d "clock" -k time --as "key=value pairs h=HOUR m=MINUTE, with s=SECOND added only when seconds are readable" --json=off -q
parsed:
h=5 m=36
